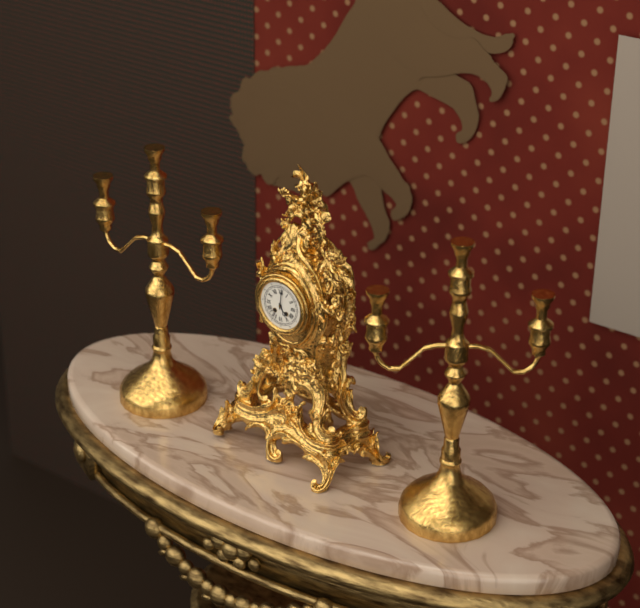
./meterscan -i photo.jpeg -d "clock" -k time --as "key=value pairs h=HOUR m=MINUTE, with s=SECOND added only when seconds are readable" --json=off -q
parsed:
h=5 m=1
